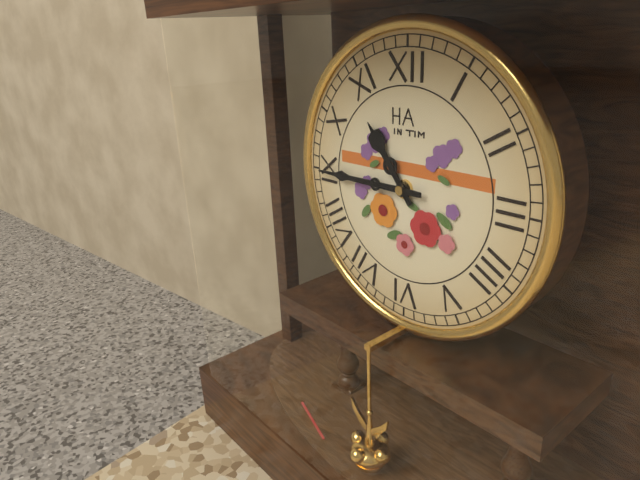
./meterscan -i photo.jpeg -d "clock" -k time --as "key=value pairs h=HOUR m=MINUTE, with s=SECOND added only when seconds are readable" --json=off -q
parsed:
h=10 m=45
